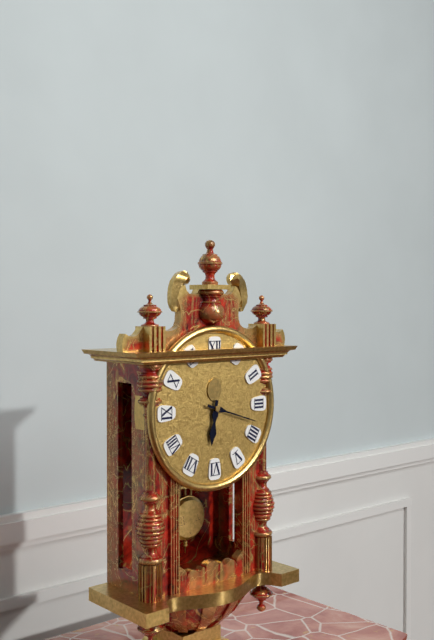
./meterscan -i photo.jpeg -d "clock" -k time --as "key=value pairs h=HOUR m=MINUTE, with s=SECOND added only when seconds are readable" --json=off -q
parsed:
h=6 m=18
